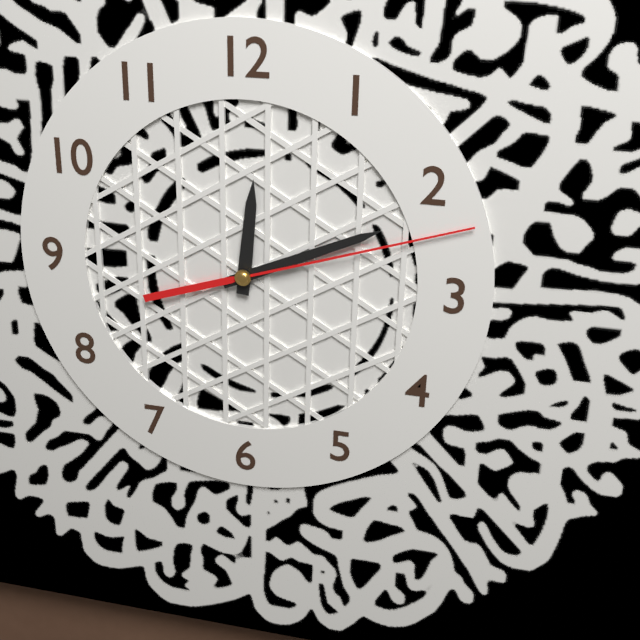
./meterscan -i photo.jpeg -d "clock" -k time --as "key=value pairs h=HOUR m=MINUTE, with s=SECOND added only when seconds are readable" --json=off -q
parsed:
h=12 m=11 s=12
